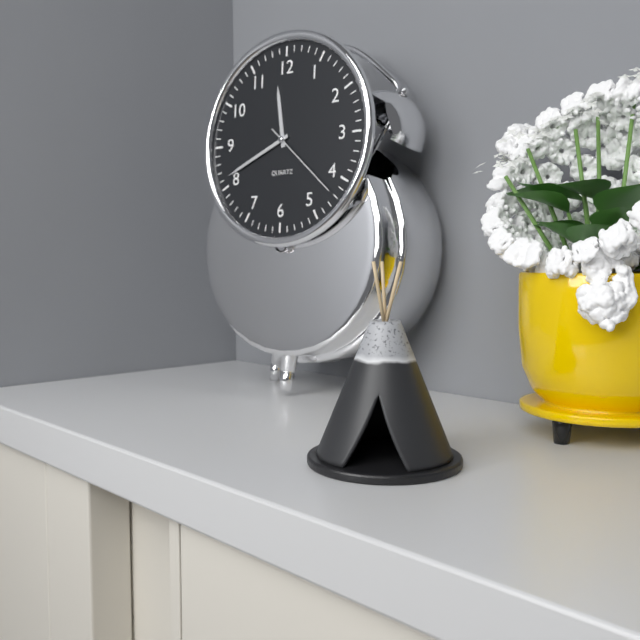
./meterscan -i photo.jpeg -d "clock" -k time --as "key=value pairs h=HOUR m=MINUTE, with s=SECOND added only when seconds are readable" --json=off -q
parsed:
h=11 m=41 s=22
